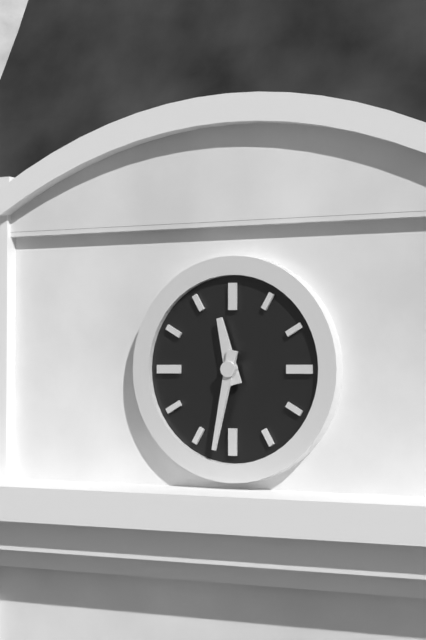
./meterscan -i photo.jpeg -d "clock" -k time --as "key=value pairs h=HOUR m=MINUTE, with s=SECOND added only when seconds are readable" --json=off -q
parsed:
h=11 m=32
